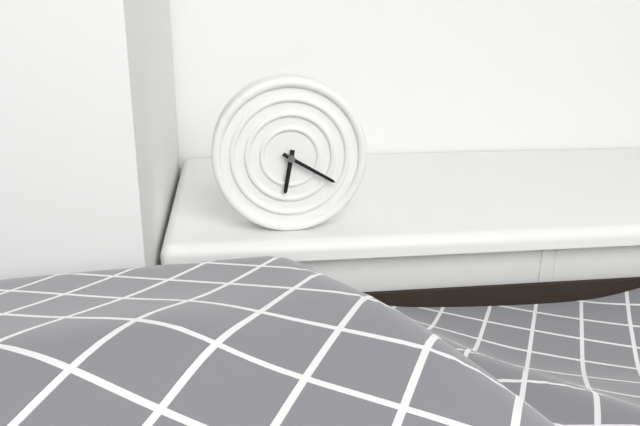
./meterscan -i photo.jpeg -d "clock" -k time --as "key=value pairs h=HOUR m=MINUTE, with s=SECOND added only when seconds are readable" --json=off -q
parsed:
h=6 m=20
